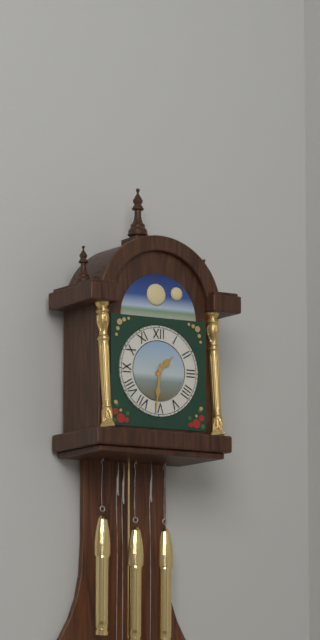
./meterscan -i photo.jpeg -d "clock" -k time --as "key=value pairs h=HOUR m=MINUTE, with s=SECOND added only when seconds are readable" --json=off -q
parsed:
h=1 m=31
